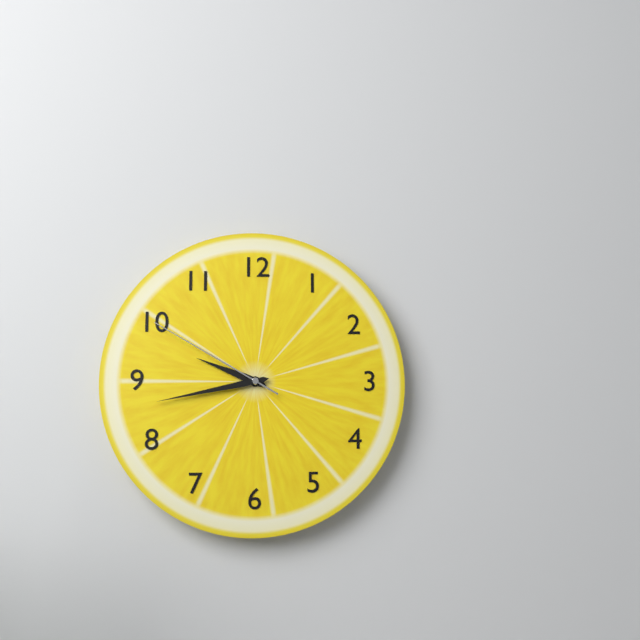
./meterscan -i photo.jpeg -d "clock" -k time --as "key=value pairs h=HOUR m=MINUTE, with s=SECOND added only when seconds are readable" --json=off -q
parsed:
h=9 m=43 s=50
